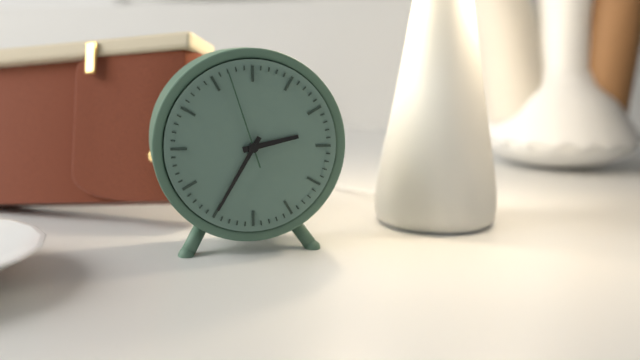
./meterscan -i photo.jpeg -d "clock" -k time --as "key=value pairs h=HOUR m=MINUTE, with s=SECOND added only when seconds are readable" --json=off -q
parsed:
h=2 m=35 s=57
